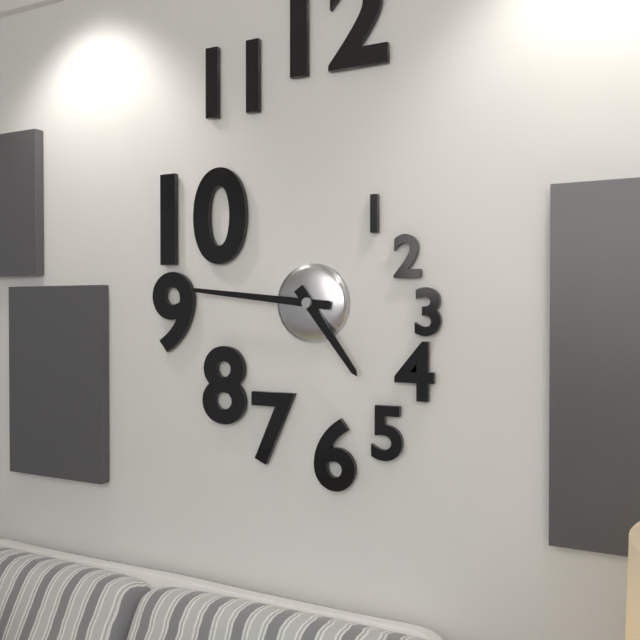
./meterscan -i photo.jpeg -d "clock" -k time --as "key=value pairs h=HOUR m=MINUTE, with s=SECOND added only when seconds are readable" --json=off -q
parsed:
h=4 m=46
